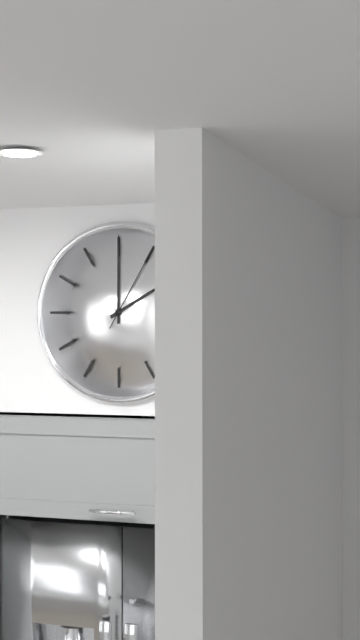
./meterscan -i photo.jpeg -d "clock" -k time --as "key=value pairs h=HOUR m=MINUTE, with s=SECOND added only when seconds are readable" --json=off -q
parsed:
h=2 m=0 s=5
